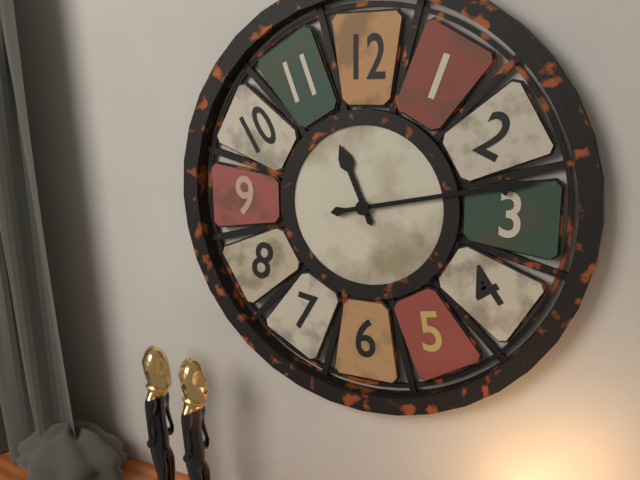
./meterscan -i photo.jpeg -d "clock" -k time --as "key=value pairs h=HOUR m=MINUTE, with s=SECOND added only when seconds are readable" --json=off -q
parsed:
h=11 m=13
